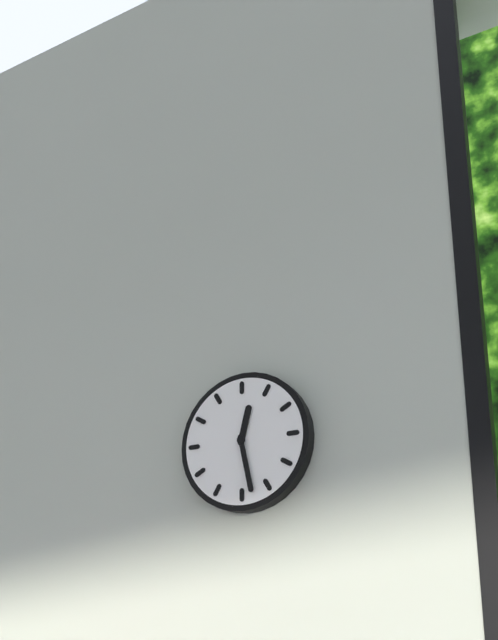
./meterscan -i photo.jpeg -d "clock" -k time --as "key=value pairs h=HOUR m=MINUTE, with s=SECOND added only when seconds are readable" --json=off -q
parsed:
h=12 m=28
